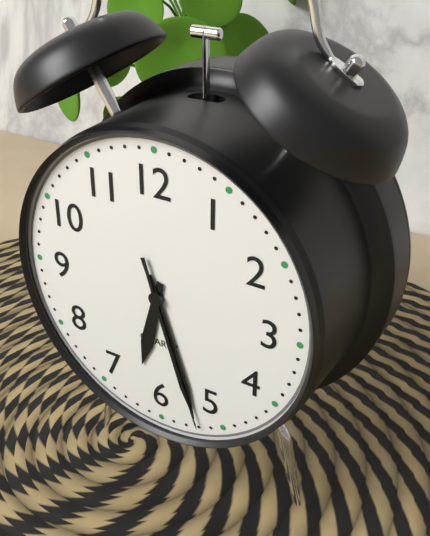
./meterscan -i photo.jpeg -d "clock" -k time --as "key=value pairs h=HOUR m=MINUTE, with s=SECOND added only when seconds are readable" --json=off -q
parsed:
h=6 m=27 s=27
